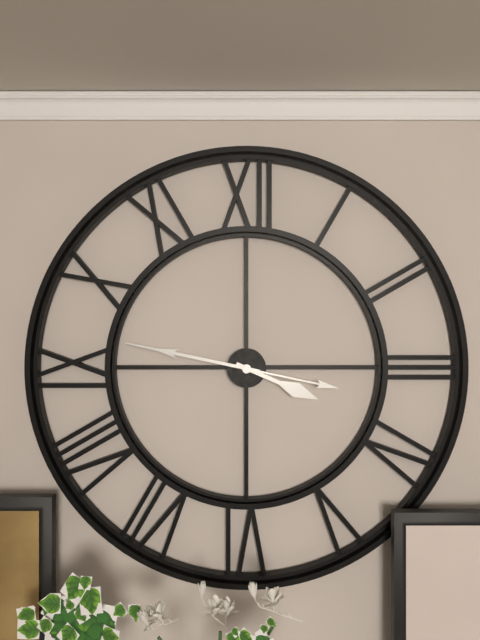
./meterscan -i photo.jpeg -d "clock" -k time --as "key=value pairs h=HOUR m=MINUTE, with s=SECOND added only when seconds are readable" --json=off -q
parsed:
h=3 m=47 s=17
